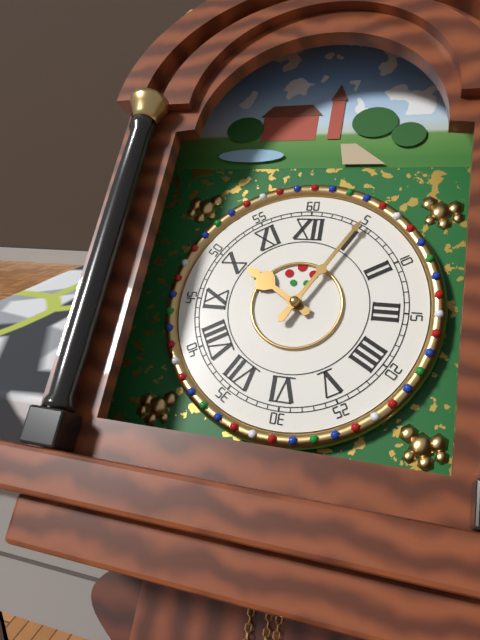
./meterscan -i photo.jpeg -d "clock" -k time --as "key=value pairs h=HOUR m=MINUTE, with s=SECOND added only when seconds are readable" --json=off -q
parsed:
h=10 m=5
